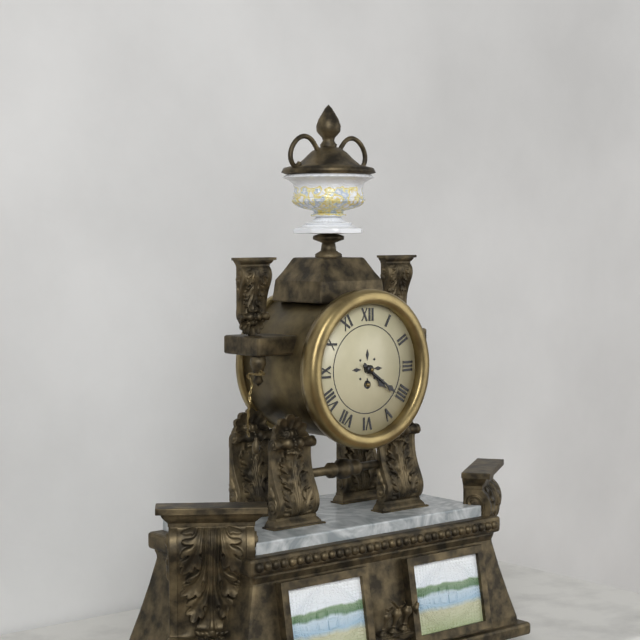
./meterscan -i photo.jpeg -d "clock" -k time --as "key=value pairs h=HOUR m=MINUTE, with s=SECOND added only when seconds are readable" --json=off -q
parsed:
h=4 m=21
